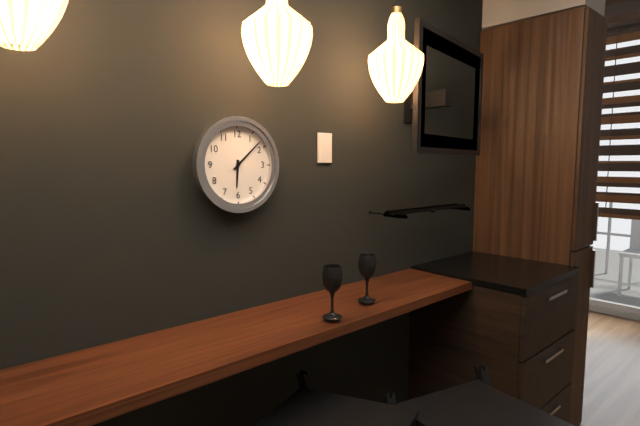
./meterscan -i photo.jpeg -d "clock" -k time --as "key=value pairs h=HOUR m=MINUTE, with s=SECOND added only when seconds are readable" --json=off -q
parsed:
h=6 m=8
